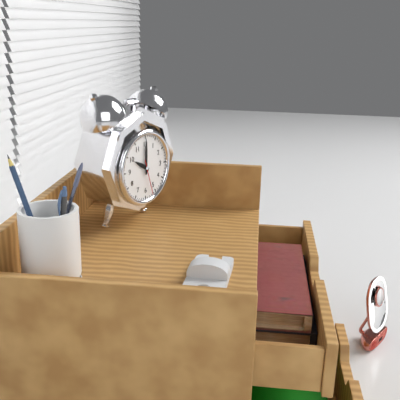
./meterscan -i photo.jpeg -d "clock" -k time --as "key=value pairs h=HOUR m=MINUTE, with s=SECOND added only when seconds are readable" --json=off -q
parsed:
h=10 m=0
